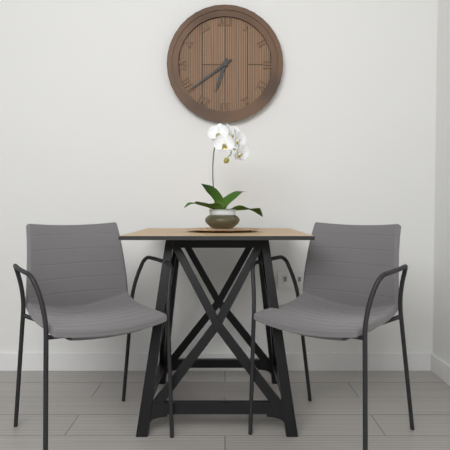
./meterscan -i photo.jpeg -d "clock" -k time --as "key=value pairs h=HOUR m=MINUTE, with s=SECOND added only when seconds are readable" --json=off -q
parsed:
h=6 m=39
